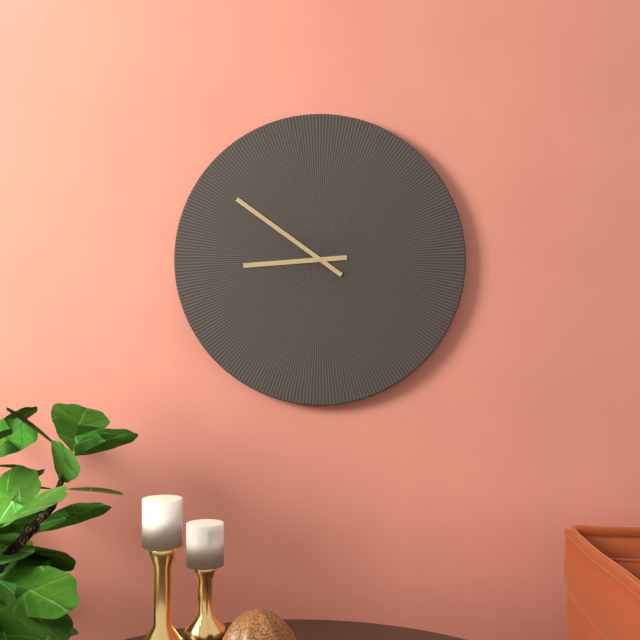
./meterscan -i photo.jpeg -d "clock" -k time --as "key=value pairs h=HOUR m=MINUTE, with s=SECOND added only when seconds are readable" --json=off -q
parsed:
h=8 m=51
